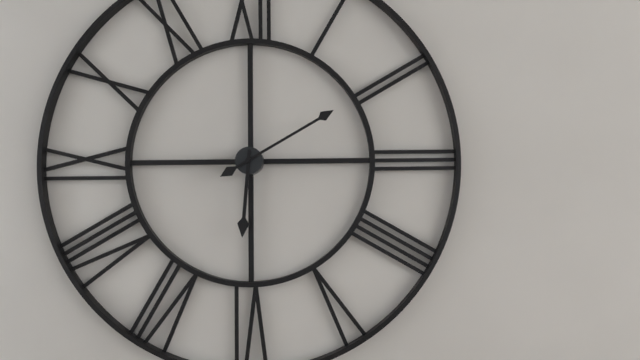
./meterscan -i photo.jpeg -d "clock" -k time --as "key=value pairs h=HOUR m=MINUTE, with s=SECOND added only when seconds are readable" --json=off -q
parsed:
h=6 m=10
